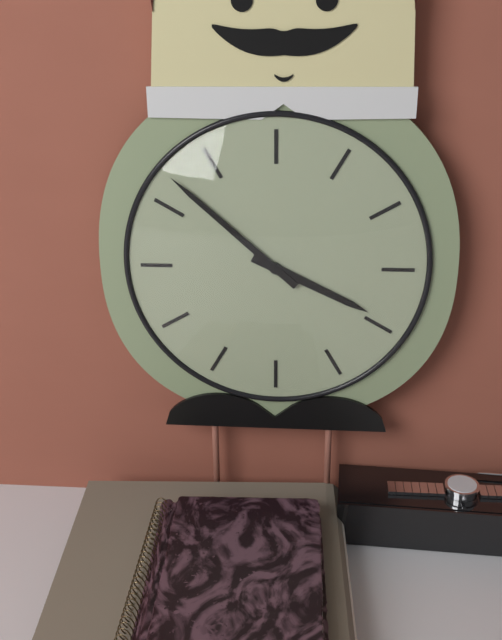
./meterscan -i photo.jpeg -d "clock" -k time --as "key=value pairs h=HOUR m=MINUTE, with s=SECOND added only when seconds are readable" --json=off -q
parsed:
h=3 m=52
